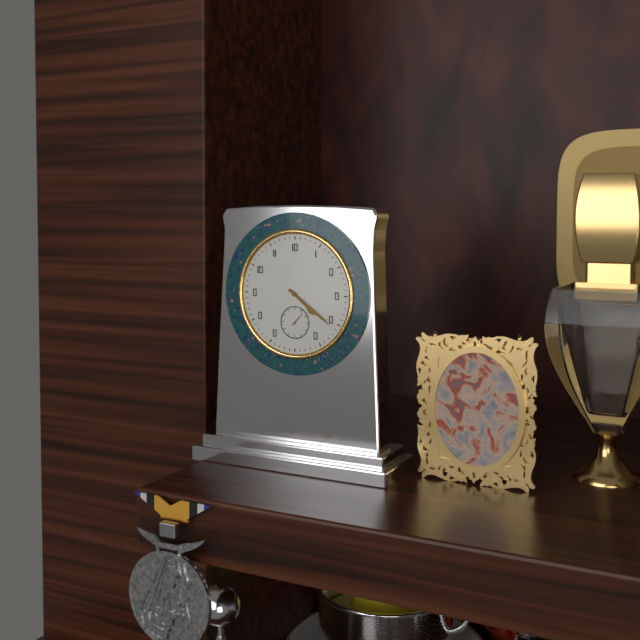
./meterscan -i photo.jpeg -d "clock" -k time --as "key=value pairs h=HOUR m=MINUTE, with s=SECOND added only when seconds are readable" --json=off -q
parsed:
h=4 m=21
